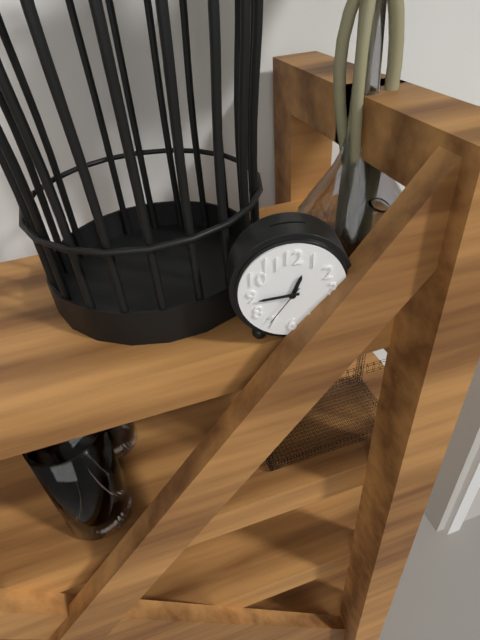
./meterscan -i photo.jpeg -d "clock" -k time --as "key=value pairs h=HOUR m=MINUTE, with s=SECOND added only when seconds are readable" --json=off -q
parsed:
h=12 m=44
